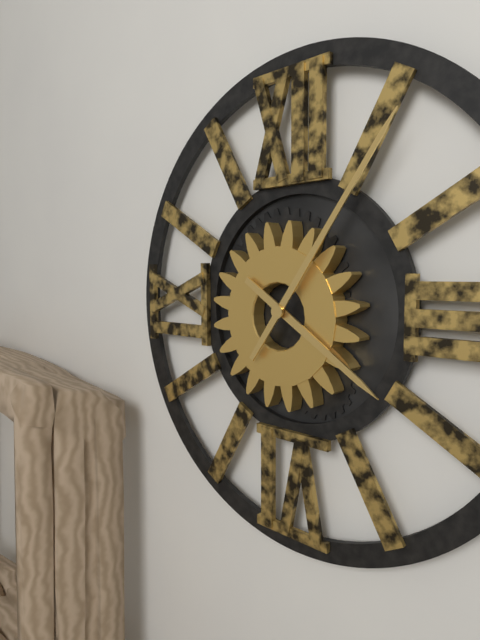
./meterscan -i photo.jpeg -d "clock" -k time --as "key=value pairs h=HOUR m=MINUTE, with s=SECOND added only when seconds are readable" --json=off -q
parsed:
h=4 m=6
